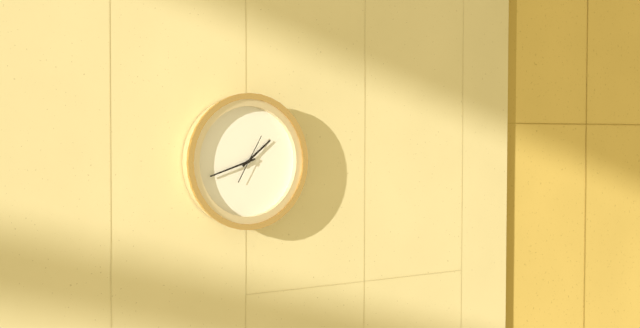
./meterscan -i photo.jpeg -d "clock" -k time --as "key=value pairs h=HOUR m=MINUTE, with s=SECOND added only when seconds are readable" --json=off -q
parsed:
h=1 m=42
